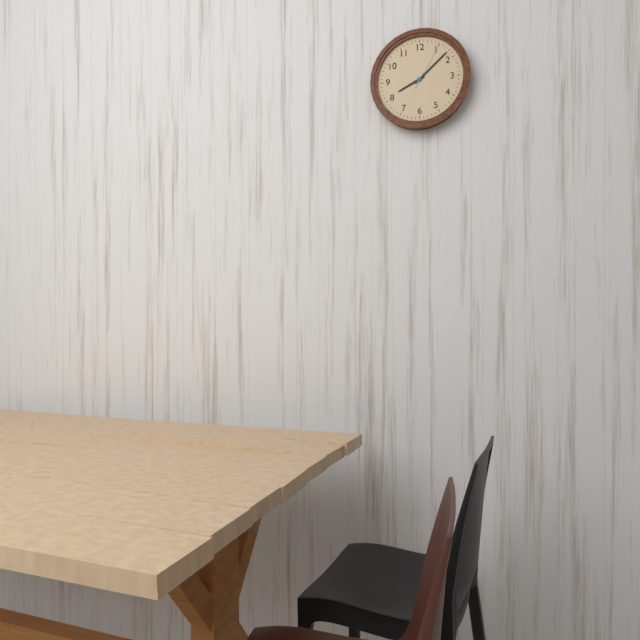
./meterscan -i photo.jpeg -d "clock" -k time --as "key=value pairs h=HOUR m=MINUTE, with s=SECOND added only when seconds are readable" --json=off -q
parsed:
h=8 m=8
